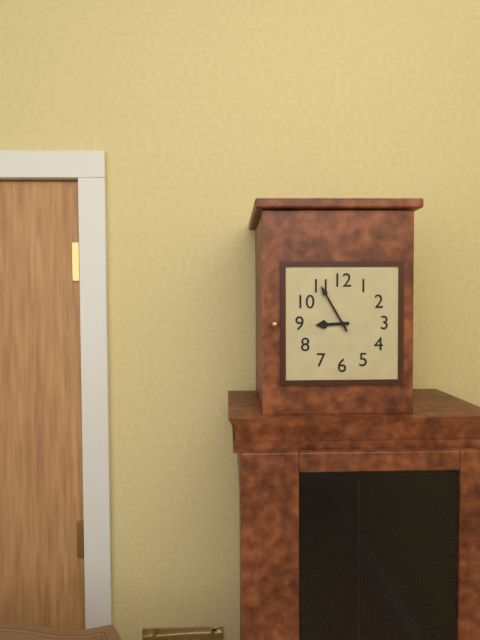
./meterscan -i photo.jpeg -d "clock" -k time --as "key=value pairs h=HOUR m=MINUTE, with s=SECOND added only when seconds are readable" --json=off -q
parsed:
h=8 m=55
